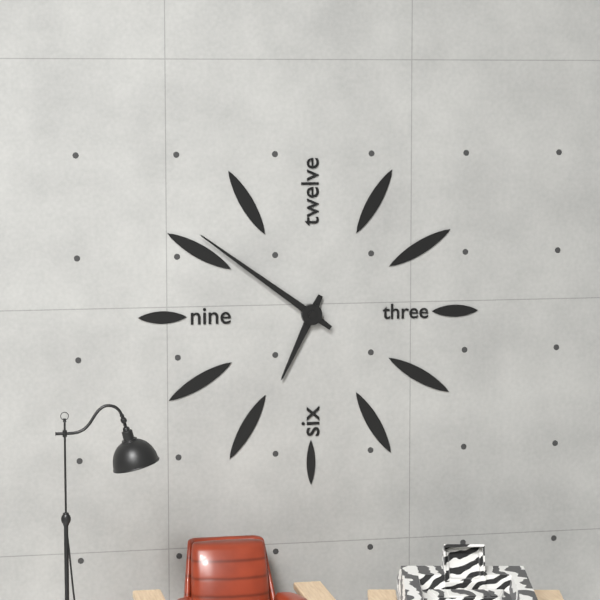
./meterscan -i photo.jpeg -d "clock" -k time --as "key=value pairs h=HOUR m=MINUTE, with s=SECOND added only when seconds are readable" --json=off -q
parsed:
h=6 m=51
